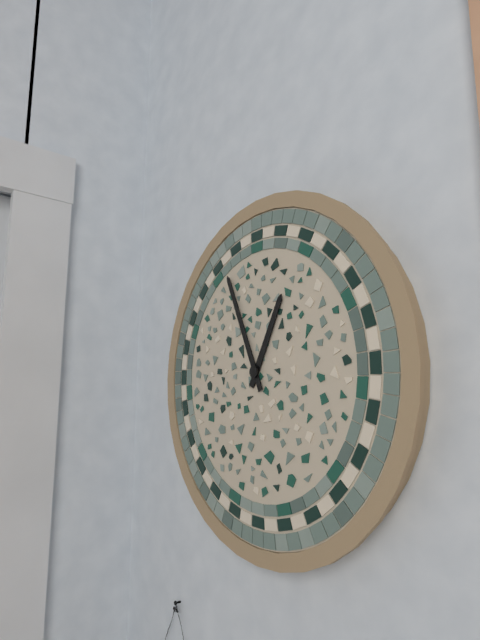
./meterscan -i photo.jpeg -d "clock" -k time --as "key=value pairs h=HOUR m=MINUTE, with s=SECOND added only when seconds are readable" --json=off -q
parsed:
h=12 m=56
